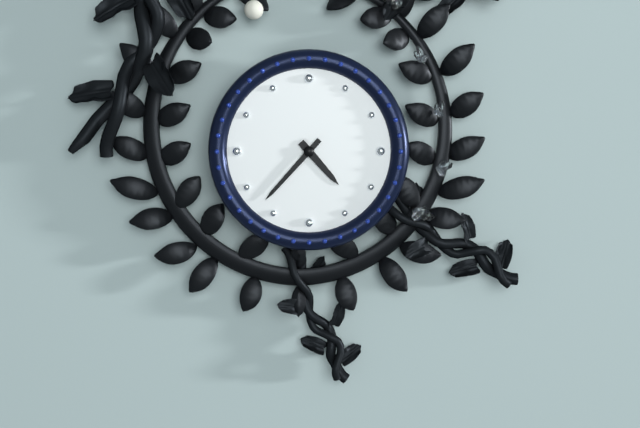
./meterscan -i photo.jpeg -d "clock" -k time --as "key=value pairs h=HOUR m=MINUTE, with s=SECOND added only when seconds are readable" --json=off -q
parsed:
h=4 m=37
